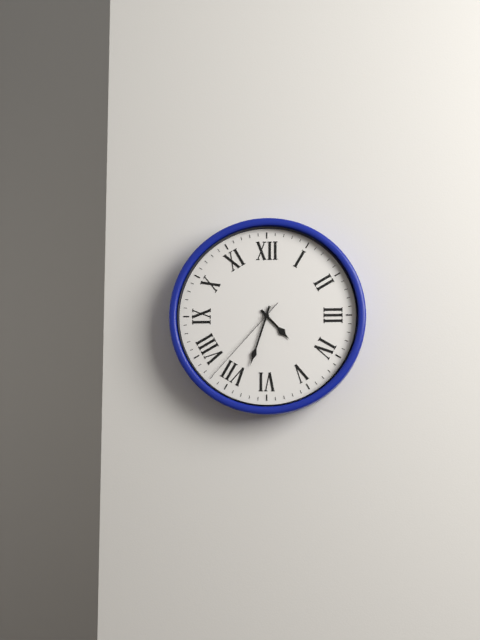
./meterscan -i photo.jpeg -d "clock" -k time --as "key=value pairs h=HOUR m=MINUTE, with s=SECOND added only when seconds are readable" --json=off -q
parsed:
h=4 m=33 s=37
